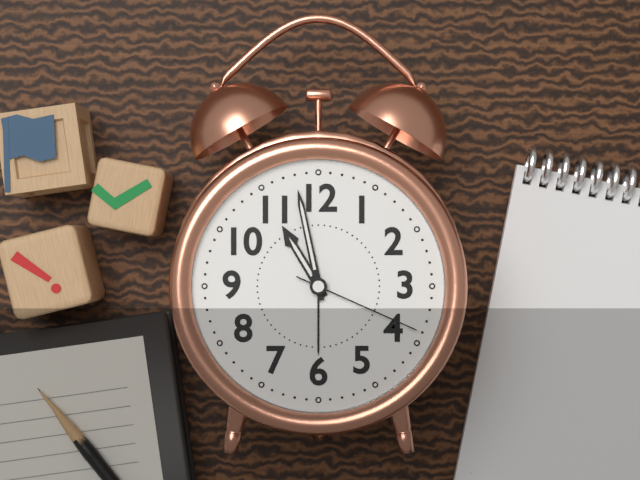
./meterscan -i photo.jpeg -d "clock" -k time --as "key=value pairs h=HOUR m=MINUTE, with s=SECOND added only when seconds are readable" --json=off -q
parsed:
h=10 m=58 s=19
